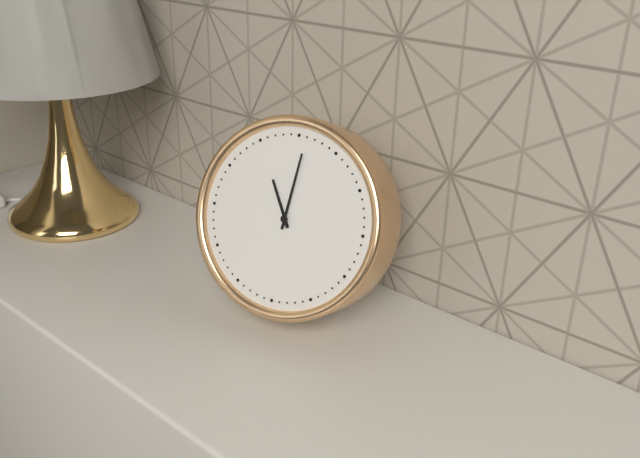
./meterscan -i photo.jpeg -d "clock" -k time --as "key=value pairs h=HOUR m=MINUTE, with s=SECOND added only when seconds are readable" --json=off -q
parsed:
h=11 m=1
